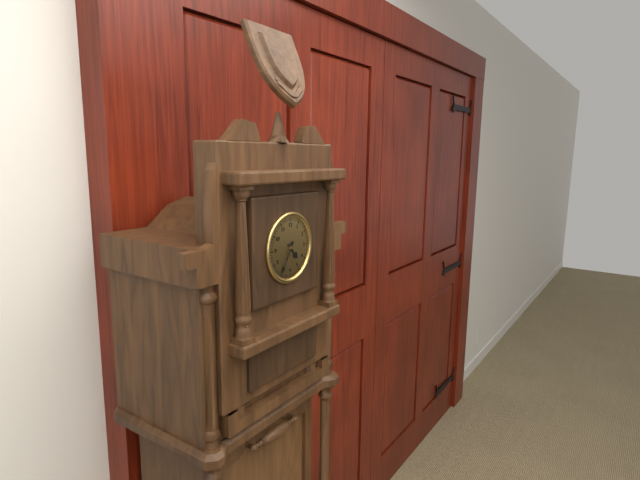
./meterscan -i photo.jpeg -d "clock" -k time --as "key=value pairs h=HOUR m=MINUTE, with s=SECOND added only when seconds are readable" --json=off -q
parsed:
h=4 m=35
